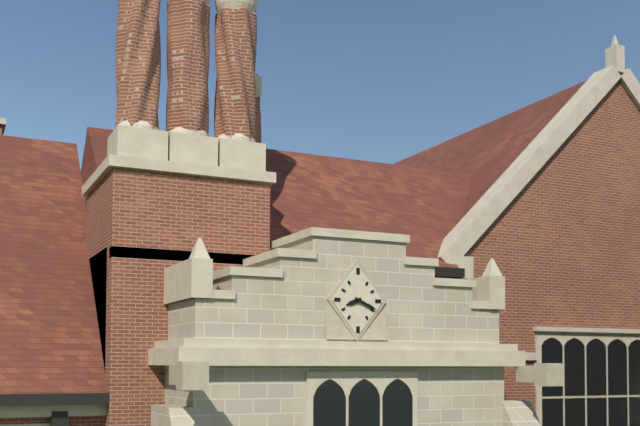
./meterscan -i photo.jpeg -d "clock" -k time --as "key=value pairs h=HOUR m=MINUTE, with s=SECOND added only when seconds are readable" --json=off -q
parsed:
h=8 m=19
